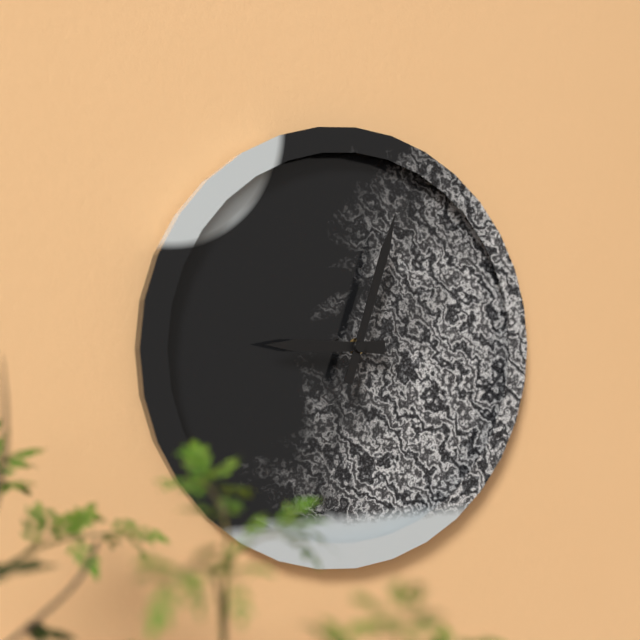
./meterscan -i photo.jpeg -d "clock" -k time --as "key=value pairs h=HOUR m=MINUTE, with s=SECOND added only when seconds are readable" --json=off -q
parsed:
h=9 m=3
